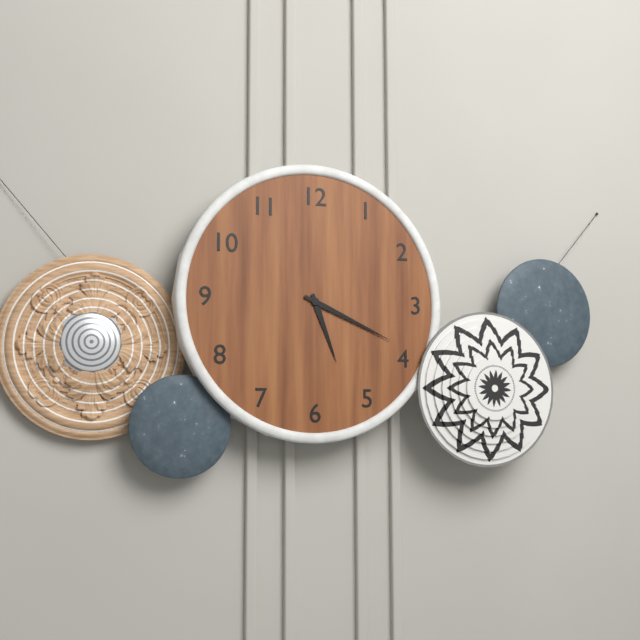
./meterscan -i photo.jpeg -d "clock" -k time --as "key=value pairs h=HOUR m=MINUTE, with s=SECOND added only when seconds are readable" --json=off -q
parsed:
h=5 m=19
